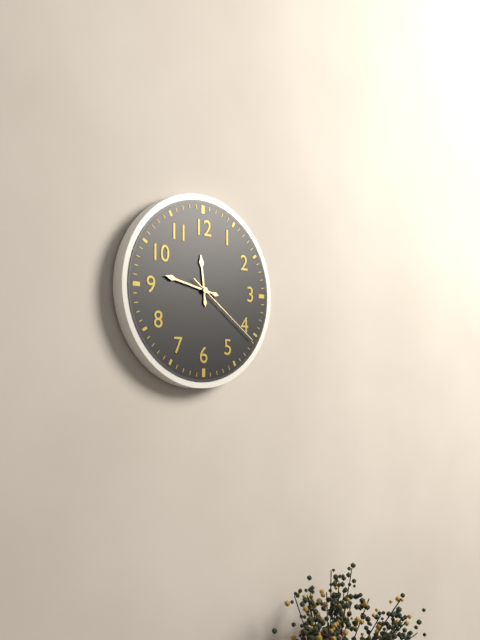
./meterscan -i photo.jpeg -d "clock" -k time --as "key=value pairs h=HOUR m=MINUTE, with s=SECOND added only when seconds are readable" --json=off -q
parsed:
h=11 m=47 s=21
